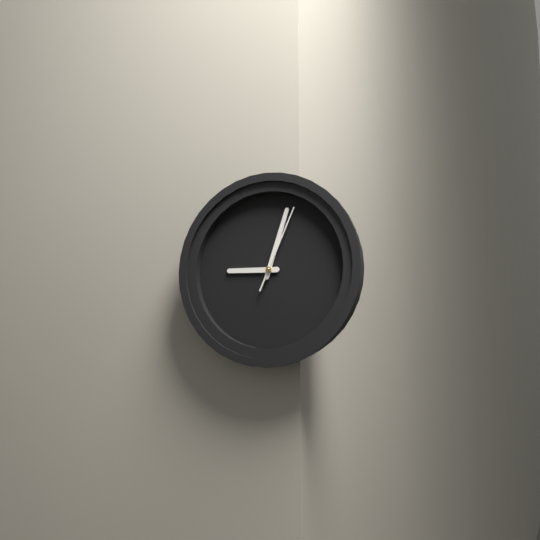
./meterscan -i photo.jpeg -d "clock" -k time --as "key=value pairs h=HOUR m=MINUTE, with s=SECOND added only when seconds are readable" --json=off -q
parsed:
h=9 m=3 s=4
